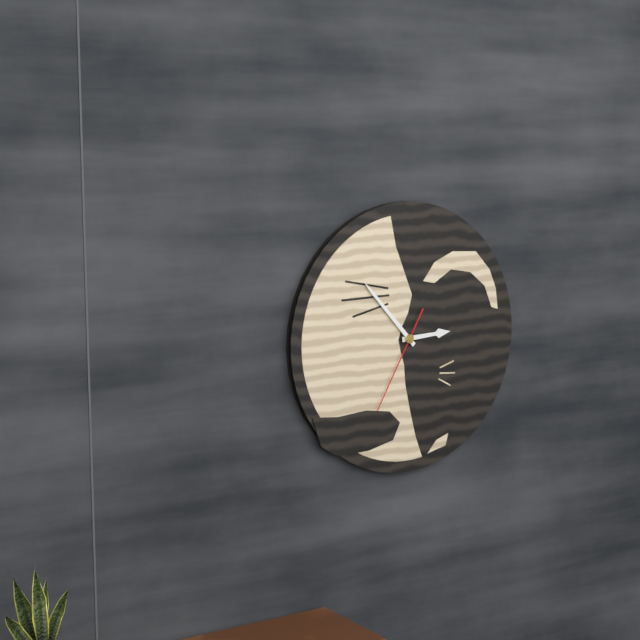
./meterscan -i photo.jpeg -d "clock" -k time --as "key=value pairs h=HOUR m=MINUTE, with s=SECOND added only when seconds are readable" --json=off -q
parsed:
h=2 m=53 s=35
